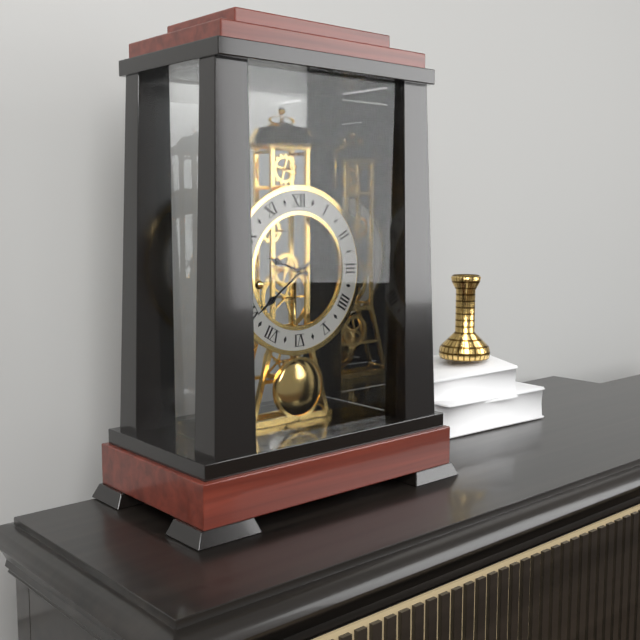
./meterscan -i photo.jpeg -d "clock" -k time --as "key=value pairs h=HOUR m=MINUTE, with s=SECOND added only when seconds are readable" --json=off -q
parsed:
h=9 m=39
